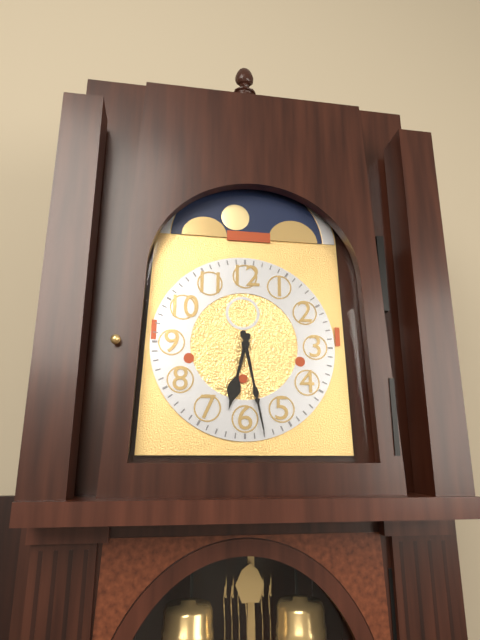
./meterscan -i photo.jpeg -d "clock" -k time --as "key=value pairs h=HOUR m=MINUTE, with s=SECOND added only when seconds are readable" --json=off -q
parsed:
h=6 m=28
